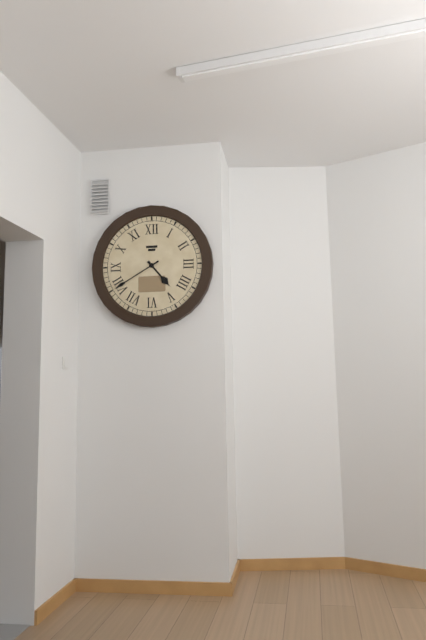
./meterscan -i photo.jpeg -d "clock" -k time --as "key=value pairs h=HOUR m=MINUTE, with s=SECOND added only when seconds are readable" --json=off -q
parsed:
h=4 m=40
